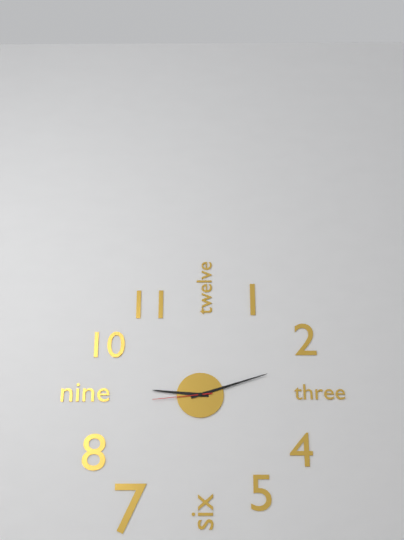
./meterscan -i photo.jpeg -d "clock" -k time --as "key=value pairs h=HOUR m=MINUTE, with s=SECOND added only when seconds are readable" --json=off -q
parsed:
h=9 m=12 s=44
